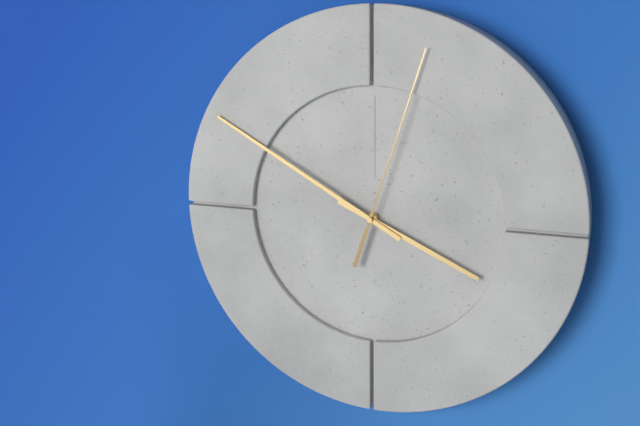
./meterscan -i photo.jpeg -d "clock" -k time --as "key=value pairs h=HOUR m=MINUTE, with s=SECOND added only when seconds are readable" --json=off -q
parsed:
h=3 m=50 s=3
